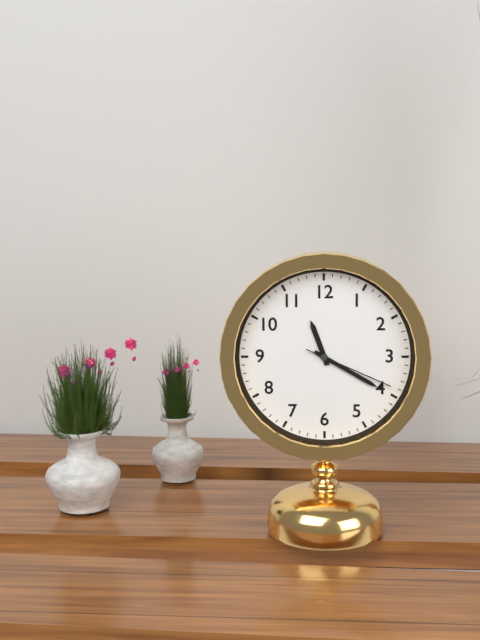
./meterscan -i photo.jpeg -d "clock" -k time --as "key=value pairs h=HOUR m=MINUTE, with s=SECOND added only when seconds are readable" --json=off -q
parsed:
h=11 m=20 s=19
